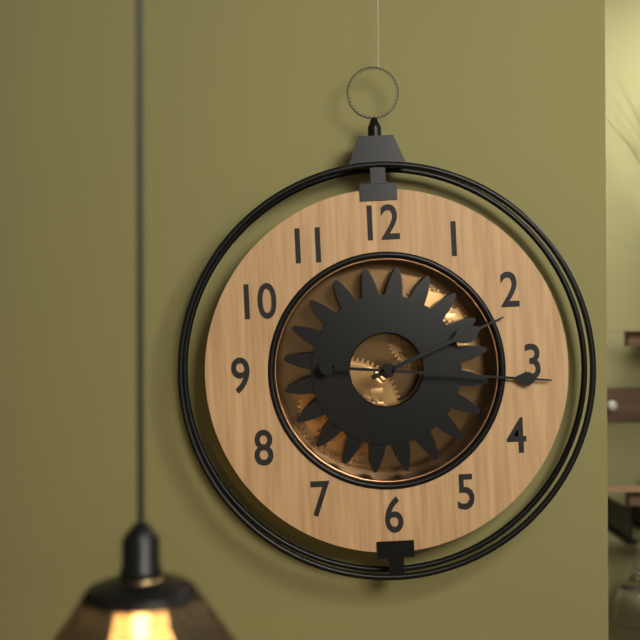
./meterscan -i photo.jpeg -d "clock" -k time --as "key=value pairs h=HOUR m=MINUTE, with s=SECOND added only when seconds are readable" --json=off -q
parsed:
h=2 m=16
